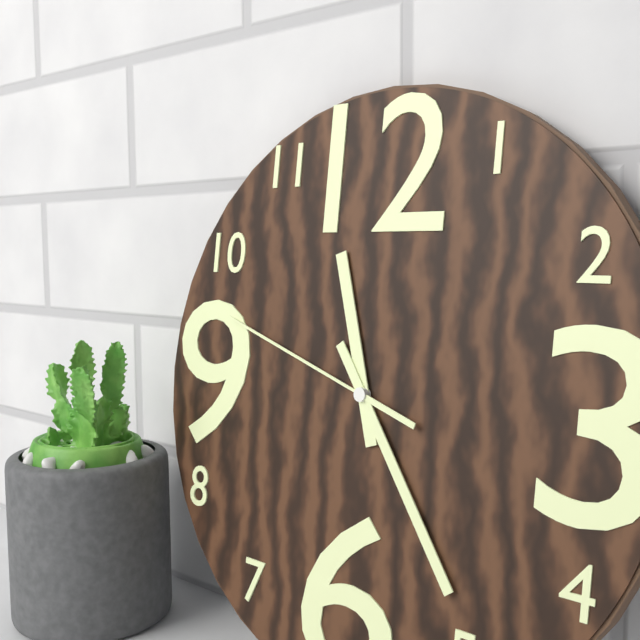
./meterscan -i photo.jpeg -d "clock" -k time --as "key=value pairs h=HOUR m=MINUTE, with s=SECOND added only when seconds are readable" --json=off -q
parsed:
h=11 m=24 s=48
